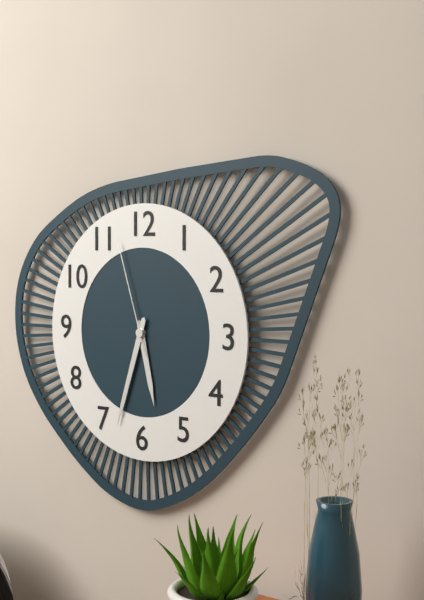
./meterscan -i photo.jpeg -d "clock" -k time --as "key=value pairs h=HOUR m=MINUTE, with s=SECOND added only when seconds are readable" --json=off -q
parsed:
h=5 m=33 s=57
